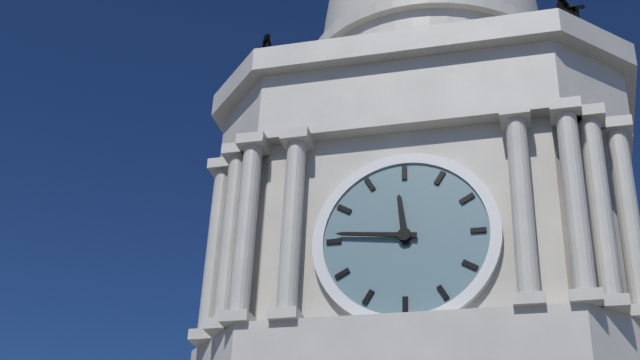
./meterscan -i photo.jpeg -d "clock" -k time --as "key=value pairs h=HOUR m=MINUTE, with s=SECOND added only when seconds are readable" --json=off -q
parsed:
h=11 m=46
